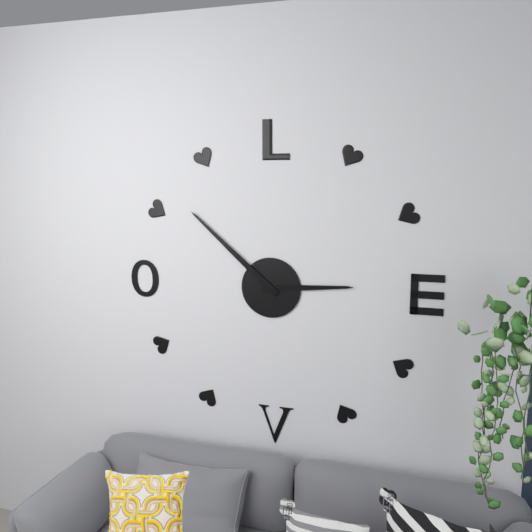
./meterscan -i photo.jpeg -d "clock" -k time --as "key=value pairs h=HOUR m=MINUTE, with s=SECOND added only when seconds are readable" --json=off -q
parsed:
h=2 m=52
